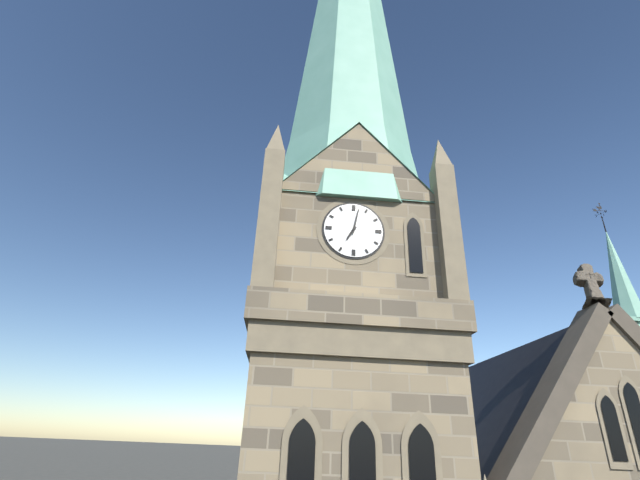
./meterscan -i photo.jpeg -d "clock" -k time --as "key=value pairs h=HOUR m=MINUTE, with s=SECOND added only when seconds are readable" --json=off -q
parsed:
h=7 m=2
